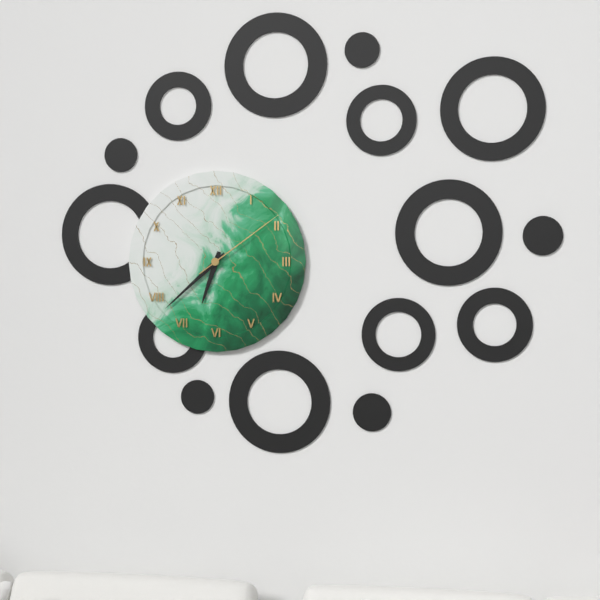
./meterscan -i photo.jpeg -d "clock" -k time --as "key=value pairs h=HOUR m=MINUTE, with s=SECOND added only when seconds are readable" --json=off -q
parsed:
h=6 m=38 s=9
